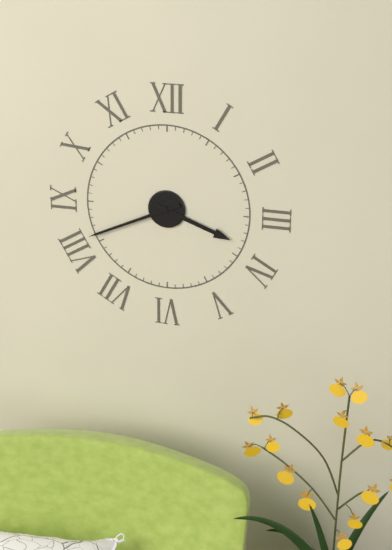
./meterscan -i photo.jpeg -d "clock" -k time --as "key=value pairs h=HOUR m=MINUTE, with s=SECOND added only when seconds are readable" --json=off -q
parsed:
h=3 m=41
